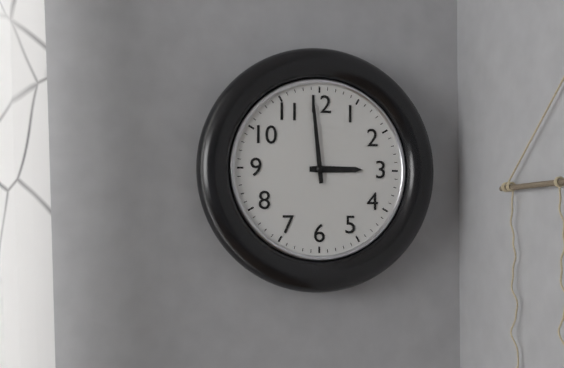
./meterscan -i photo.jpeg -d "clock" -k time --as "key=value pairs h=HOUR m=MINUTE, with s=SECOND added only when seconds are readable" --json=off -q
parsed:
h=2 m=59
